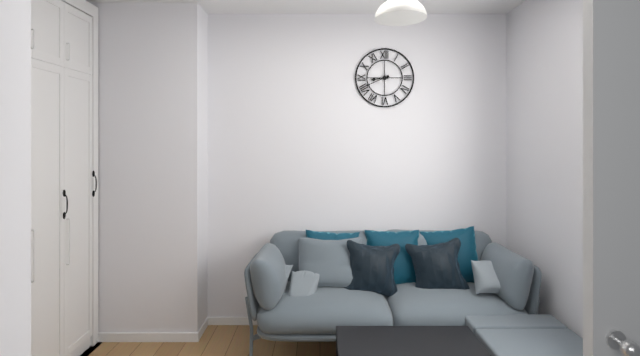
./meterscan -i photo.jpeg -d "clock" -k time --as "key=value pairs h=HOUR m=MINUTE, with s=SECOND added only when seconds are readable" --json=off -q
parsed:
h=8 m=41
